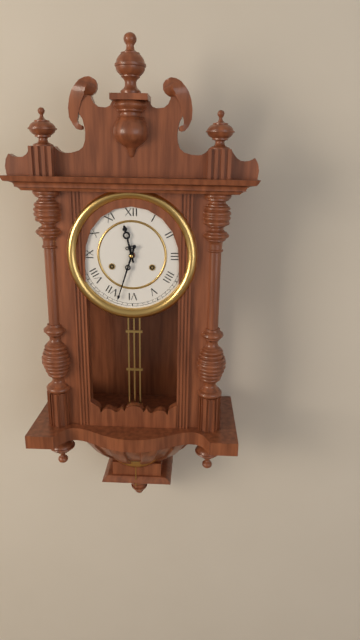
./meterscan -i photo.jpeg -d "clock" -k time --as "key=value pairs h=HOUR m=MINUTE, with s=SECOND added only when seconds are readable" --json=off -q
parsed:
h=11 m=33
